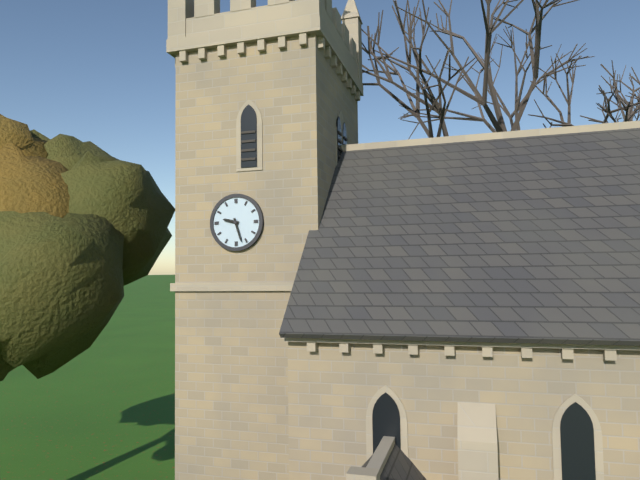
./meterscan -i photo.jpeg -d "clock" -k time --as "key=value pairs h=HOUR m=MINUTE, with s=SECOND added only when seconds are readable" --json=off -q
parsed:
h=9 m=27
